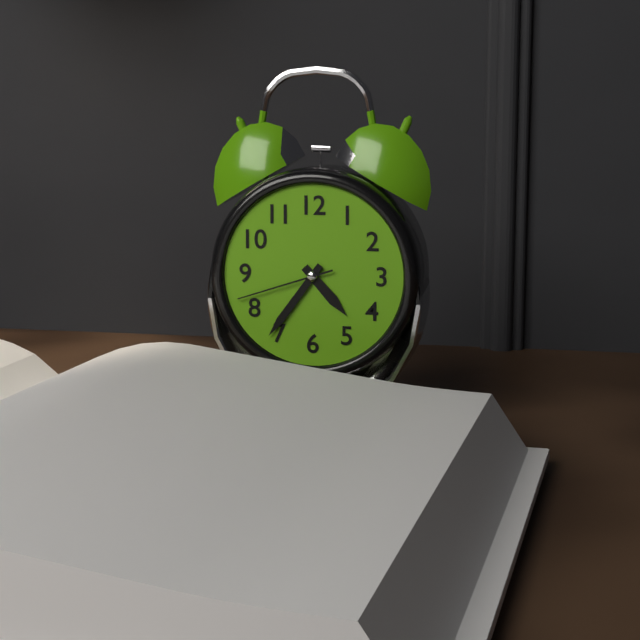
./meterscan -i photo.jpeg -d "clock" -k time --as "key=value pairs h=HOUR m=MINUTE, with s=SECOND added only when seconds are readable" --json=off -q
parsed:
h=4 m=36 s=42
